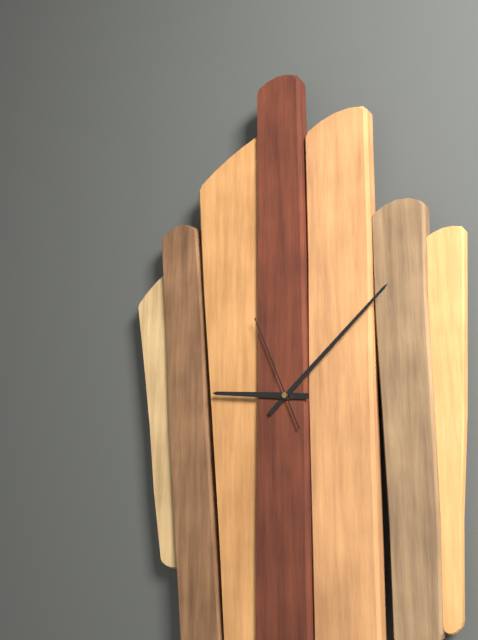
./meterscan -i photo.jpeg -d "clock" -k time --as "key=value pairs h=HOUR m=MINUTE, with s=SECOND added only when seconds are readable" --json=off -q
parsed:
h=9 m=8 s=56
